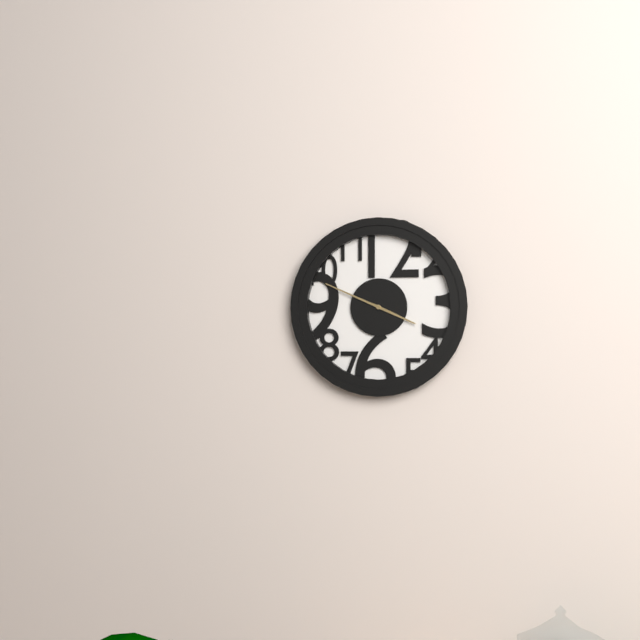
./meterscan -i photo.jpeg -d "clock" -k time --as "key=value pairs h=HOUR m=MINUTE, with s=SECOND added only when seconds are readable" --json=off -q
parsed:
h=3 m=49
